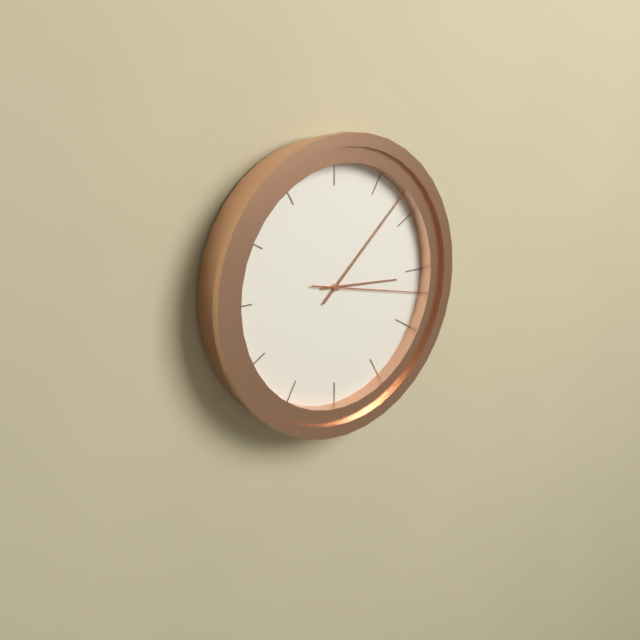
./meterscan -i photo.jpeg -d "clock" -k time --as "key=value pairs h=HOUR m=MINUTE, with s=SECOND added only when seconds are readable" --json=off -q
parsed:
h=3 m=8 s=17
